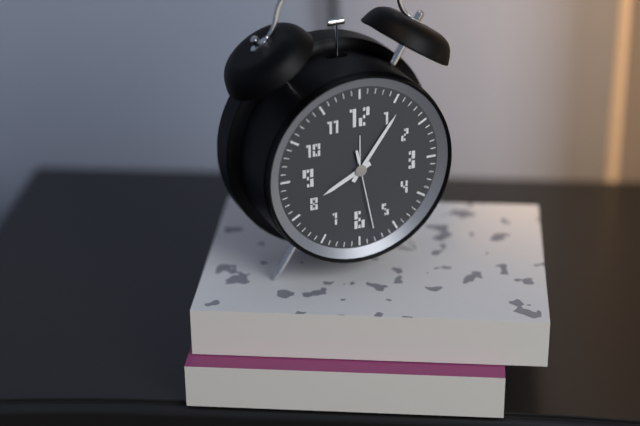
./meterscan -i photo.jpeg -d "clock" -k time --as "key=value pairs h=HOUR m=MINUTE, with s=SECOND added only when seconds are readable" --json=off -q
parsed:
h=8 m=6 s=28
